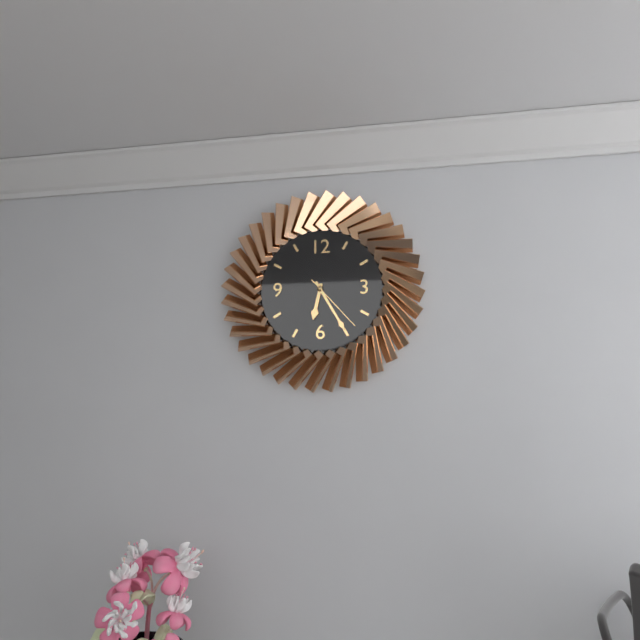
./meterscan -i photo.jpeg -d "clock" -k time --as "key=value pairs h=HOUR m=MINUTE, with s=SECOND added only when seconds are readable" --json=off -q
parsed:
h=6 m=25 s=23
